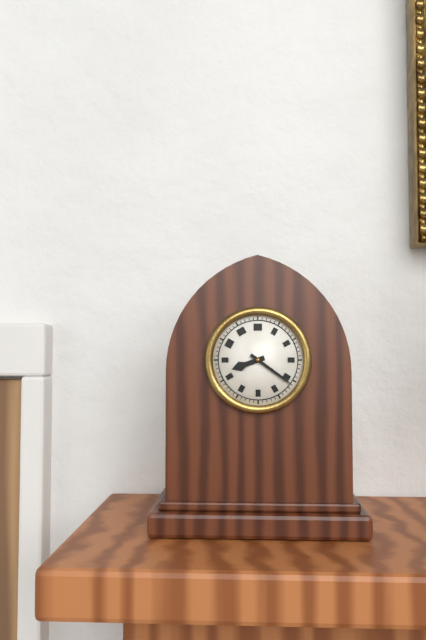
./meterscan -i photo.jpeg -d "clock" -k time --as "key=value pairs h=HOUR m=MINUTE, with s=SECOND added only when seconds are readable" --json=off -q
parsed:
h=8 m=21
